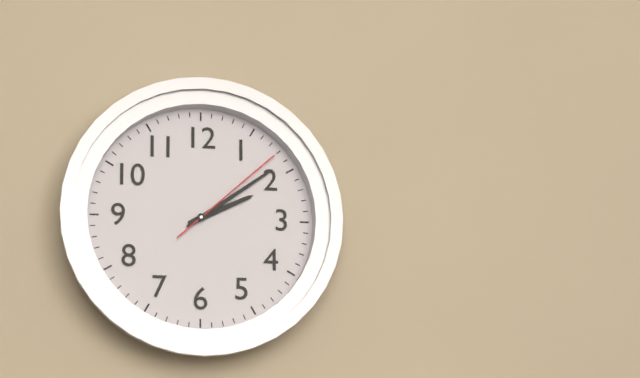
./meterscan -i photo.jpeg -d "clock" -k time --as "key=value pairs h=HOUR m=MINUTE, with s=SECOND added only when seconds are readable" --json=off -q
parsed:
h=2 m=9 s=8
